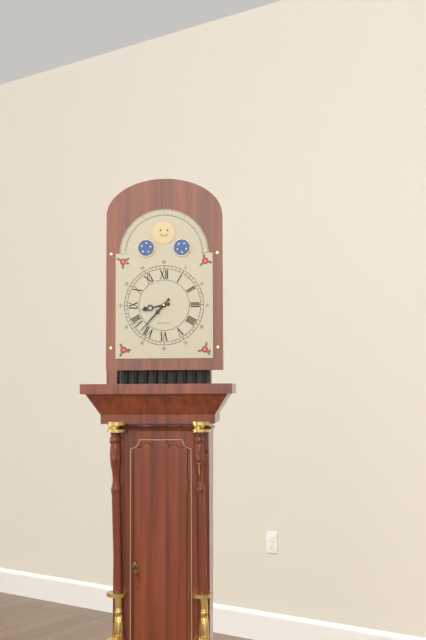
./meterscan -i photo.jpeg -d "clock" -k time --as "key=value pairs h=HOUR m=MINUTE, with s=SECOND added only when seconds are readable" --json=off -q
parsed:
h=8 m=37
